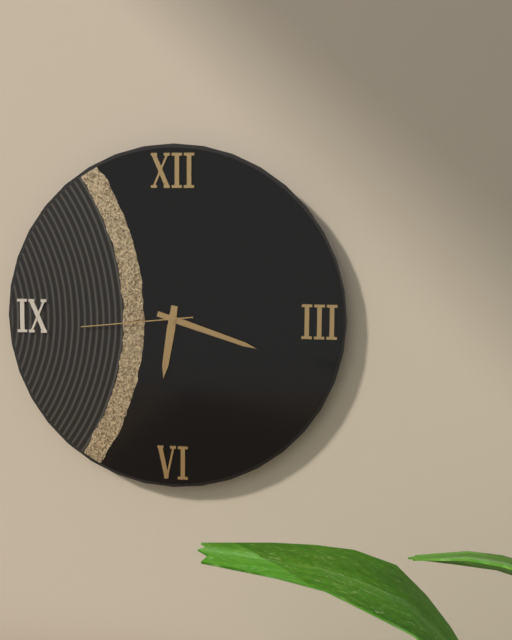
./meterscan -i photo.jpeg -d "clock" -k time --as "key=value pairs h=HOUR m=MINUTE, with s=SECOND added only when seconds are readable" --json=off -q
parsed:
h=6 m=18 s=44
